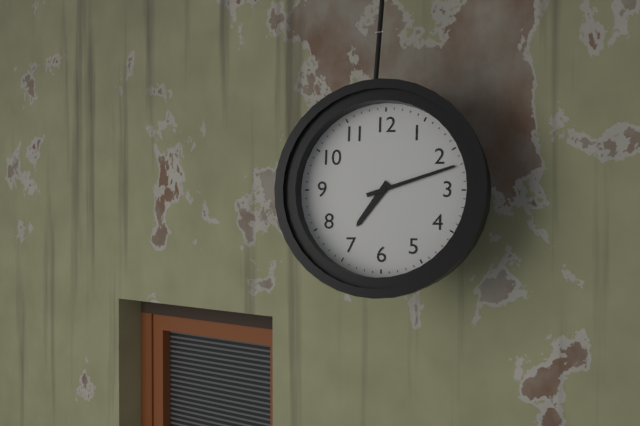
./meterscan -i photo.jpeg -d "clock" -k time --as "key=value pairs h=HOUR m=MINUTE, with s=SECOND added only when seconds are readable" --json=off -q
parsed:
h=7 m=12
